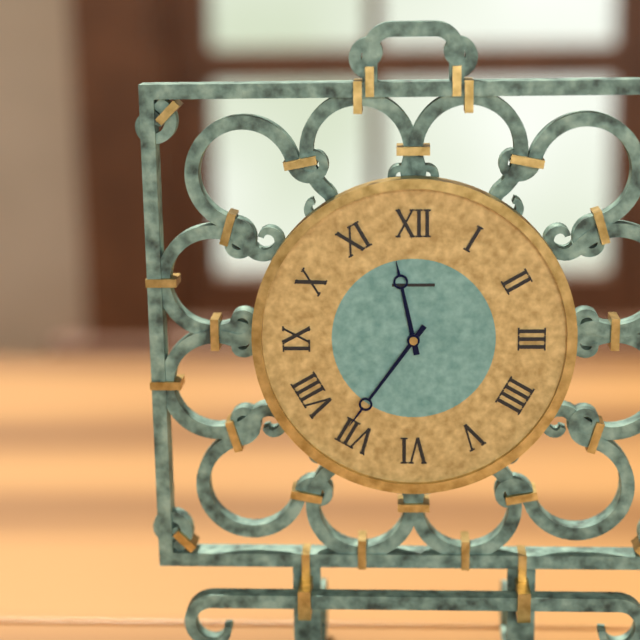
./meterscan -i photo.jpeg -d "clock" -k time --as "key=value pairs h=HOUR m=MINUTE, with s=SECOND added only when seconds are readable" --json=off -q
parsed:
h=11 m=36
